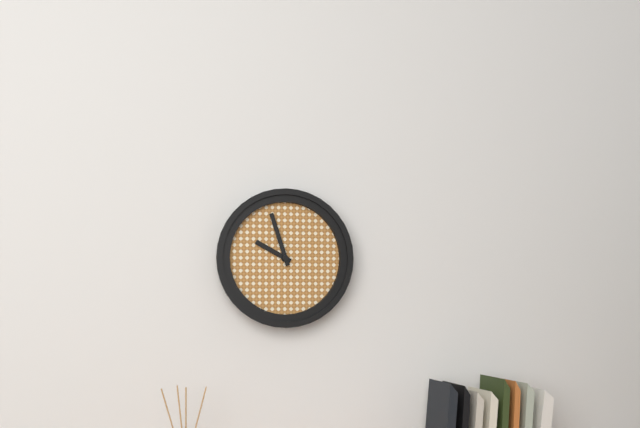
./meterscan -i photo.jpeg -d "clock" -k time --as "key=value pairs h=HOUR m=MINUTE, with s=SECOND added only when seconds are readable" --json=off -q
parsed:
h=9 m=57
